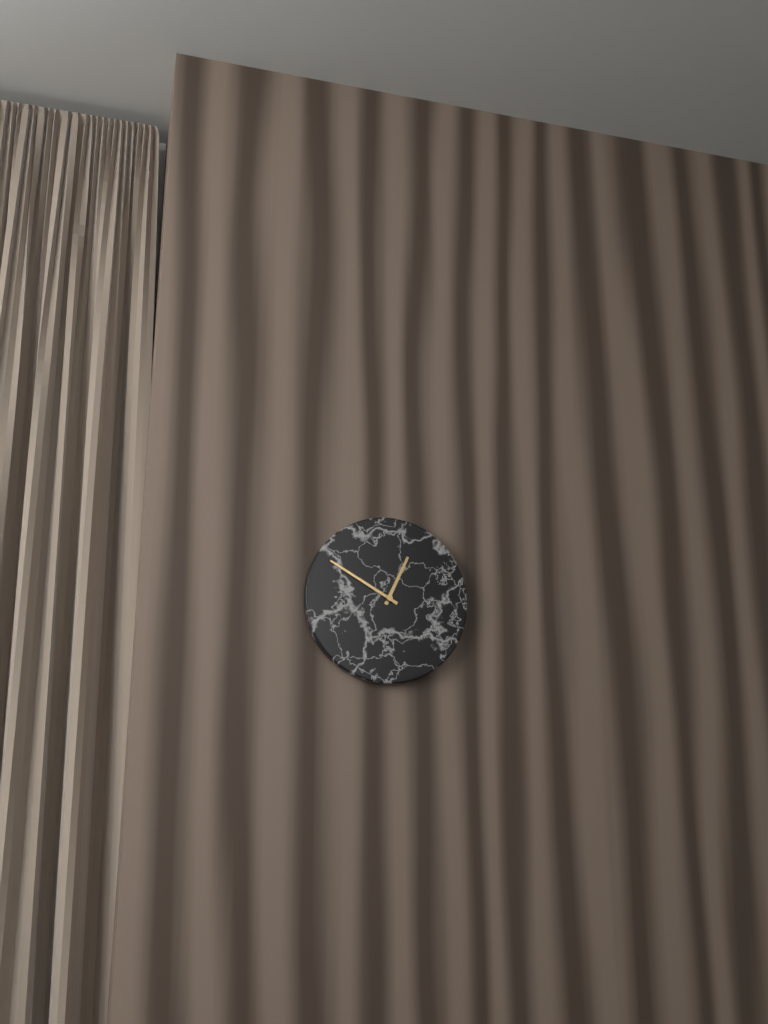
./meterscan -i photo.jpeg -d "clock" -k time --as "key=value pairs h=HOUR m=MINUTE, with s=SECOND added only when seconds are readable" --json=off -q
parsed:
h=12 m=50
